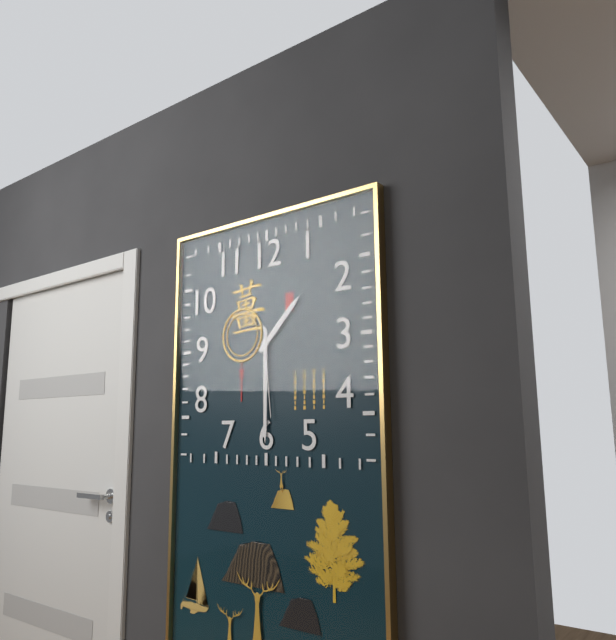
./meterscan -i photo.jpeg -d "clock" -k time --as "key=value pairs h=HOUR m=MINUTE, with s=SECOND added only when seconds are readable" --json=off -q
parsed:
h=1 m=30 s=29
